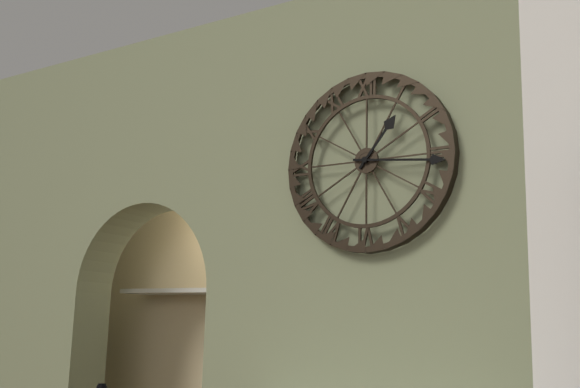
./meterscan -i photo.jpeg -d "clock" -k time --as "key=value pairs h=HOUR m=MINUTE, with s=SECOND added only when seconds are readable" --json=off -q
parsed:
h=1 m=16
